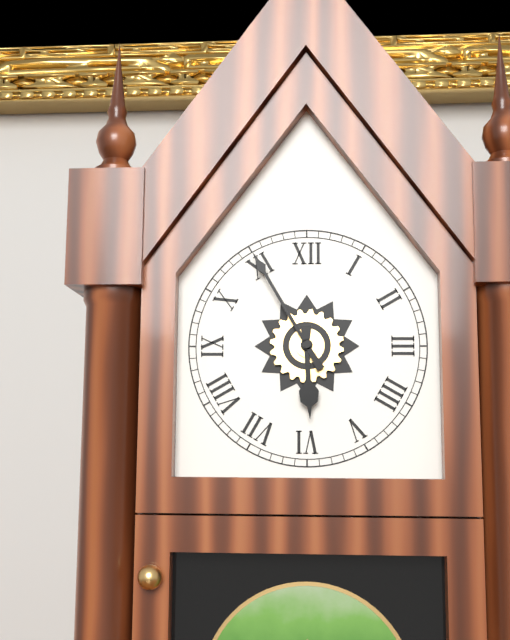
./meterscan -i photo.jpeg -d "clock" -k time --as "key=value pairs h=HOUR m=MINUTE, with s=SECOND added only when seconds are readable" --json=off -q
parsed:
h=5 m=55
